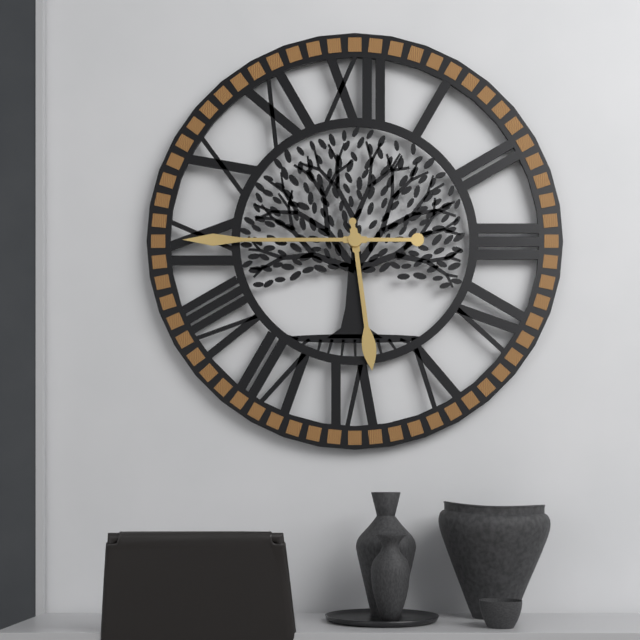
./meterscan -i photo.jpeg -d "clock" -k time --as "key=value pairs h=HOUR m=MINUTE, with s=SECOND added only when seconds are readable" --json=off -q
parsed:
h=5 m=45
